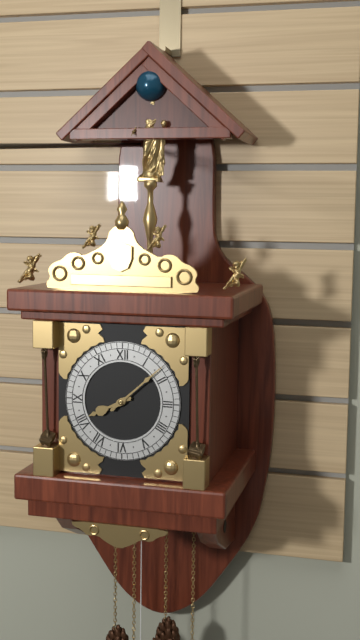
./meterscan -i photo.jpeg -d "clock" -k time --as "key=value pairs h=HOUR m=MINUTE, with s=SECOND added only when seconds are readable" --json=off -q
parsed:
h=8 m=8
